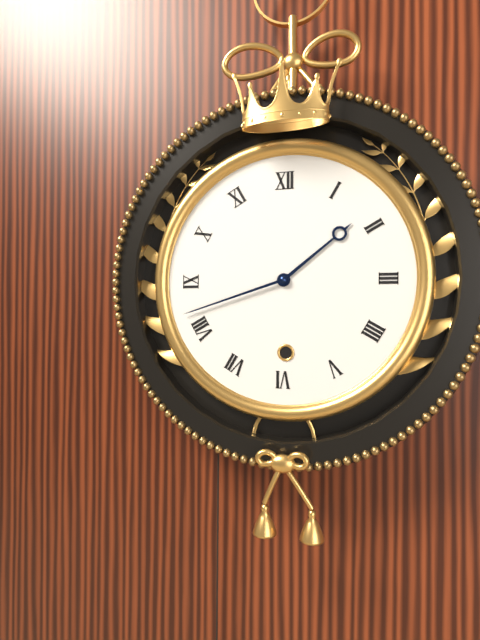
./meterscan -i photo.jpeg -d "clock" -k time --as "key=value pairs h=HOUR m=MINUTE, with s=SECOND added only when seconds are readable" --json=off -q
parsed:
h=1 m=42
